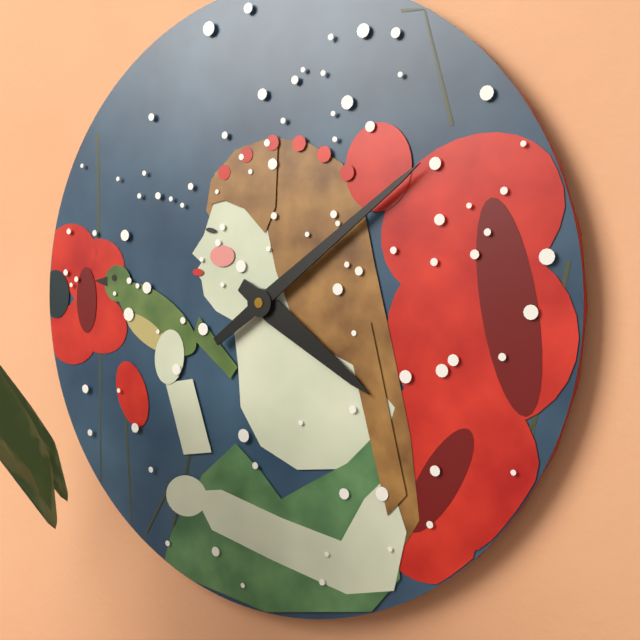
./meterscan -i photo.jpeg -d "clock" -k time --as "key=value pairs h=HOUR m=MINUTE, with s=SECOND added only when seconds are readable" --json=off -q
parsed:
h=4 m=9
